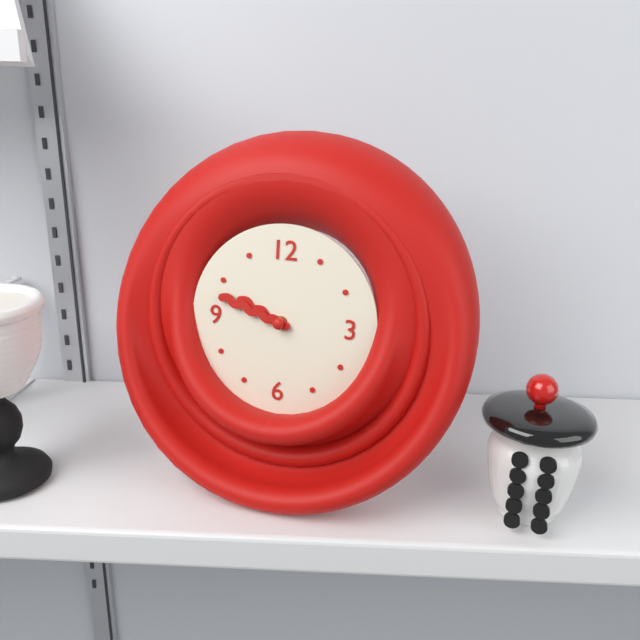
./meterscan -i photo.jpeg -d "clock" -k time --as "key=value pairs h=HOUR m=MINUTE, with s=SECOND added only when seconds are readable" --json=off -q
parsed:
h=9 m=48
